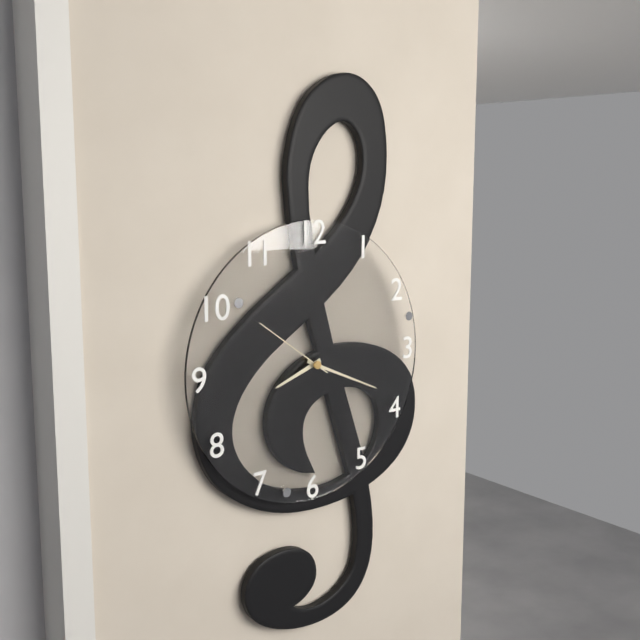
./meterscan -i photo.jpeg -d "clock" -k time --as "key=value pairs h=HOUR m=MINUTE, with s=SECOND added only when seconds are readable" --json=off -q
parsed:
h=8 m=19 s=51
